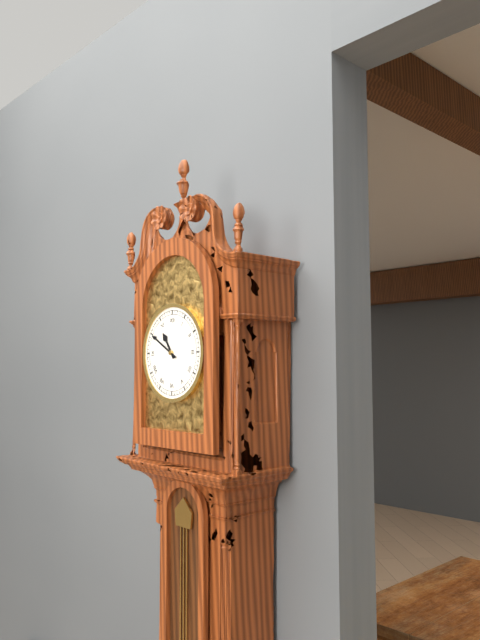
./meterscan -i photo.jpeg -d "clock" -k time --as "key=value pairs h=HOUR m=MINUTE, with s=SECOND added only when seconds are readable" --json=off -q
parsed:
h=10 m=50
